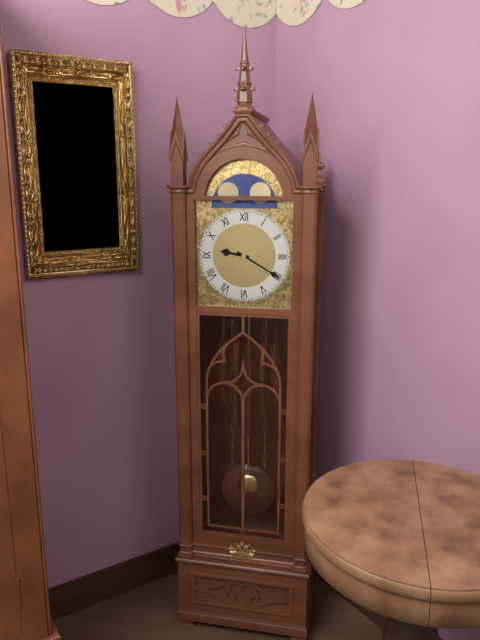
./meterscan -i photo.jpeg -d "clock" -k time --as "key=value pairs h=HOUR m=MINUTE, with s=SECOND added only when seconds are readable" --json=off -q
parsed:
h=9 m=20
